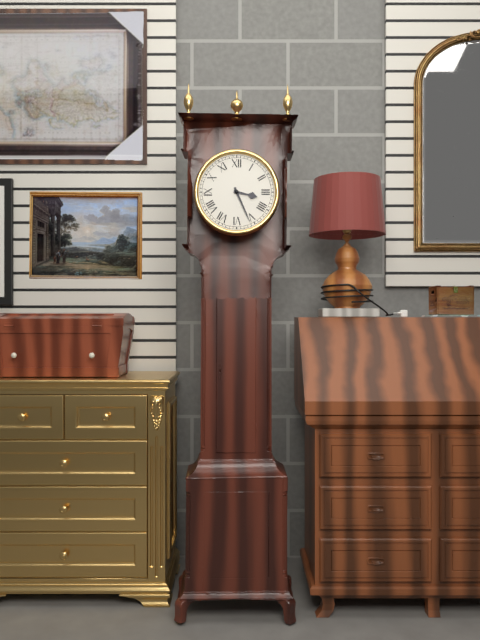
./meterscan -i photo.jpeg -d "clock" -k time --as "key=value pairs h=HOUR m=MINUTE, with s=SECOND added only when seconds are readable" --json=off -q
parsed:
h=3 m=26
